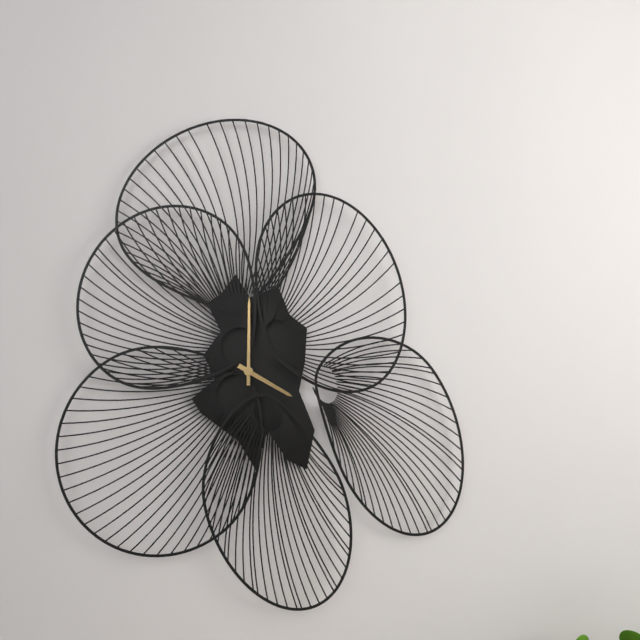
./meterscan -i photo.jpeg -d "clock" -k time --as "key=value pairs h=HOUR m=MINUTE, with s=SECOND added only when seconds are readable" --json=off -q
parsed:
h=4 m=0
